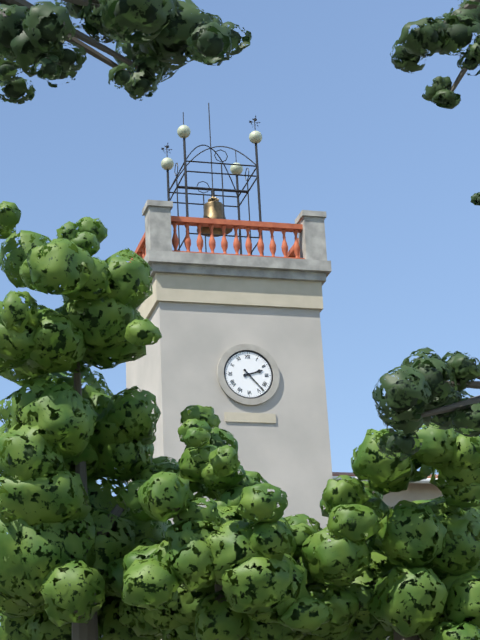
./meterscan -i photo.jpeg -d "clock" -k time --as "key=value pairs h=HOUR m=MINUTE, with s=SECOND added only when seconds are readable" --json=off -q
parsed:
h=2 m=23
